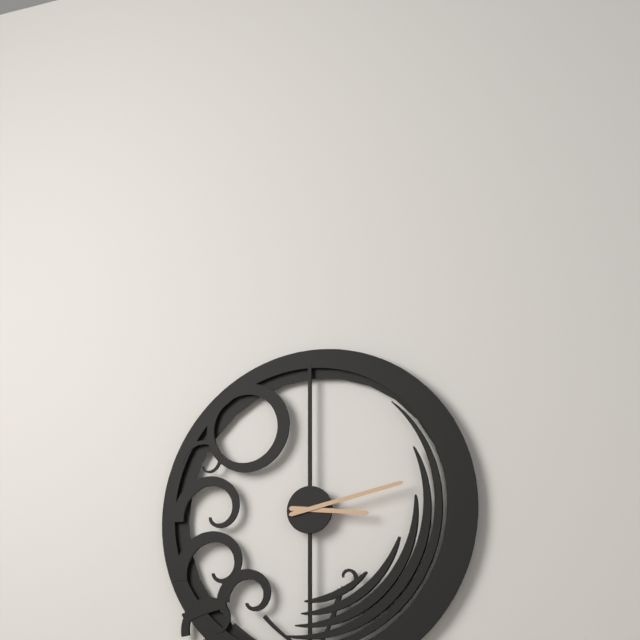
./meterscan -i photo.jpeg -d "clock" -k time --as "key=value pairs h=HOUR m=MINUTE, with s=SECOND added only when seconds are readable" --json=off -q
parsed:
h=3 m=13
